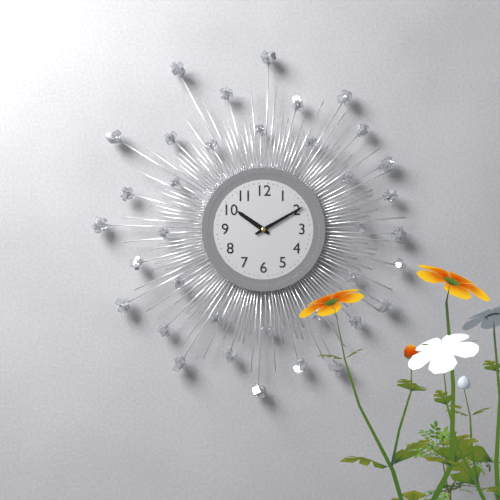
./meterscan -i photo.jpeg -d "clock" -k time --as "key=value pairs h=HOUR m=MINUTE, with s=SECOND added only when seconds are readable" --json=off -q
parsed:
h=10 m=10
